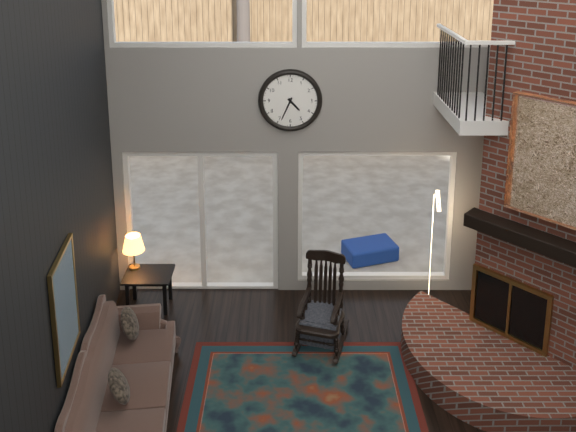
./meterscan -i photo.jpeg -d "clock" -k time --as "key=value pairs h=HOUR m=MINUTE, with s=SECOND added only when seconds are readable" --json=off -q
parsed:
h=4 m=34
